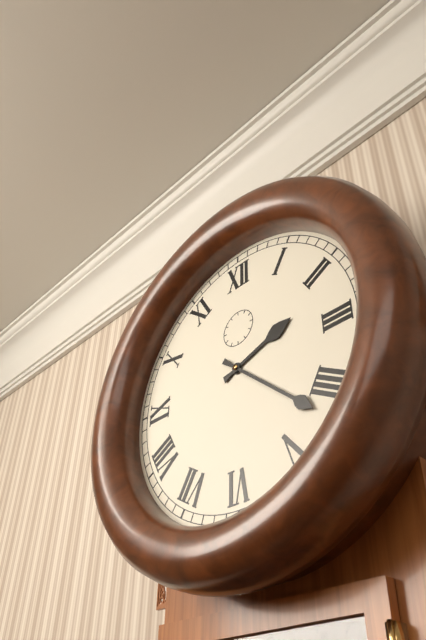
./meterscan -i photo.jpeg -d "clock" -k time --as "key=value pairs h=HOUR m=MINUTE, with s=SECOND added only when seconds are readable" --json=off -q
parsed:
h=2 m=22
